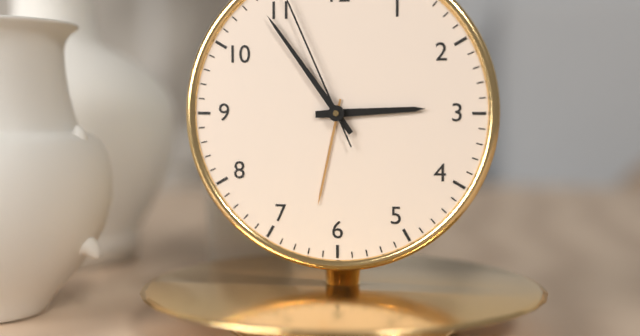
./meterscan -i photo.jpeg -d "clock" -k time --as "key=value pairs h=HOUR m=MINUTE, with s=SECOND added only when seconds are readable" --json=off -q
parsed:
h=2 m=54
